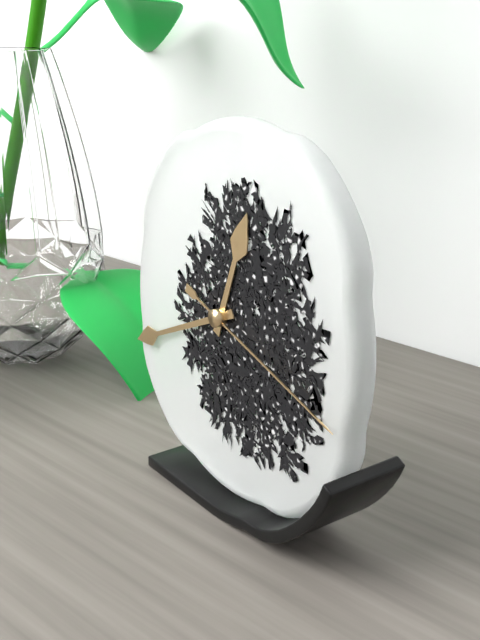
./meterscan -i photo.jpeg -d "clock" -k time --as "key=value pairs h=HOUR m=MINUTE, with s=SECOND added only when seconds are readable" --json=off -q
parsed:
h=12 m=41 s=18
